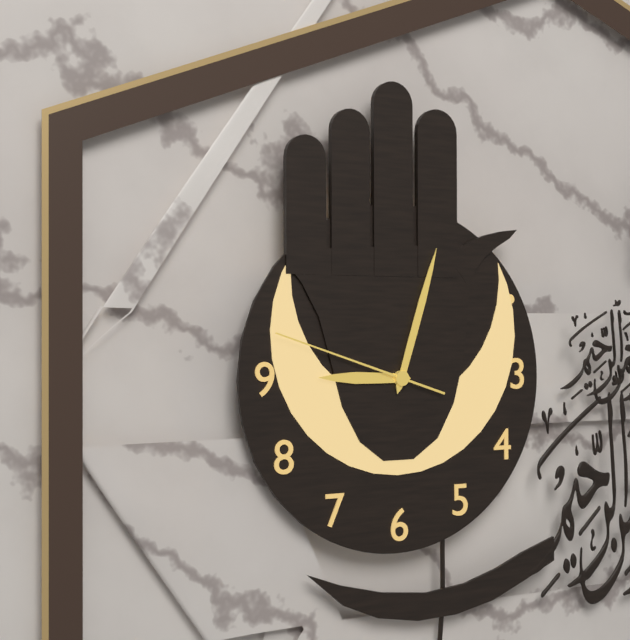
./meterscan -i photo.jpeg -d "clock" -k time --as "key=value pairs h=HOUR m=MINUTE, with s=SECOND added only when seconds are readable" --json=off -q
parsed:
h=9 m=3 s=48
